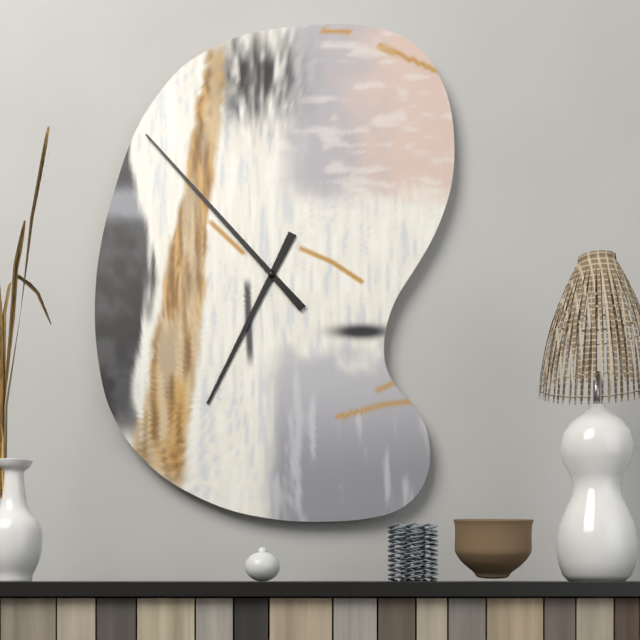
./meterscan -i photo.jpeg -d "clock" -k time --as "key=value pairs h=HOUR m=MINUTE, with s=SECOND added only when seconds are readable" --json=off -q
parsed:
h=6 m=53
